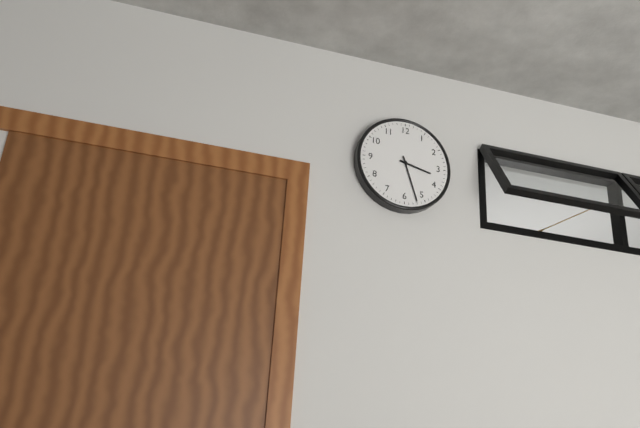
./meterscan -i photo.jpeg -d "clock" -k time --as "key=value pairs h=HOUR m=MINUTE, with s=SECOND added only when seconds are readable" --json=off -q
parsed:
h=3 m=27
